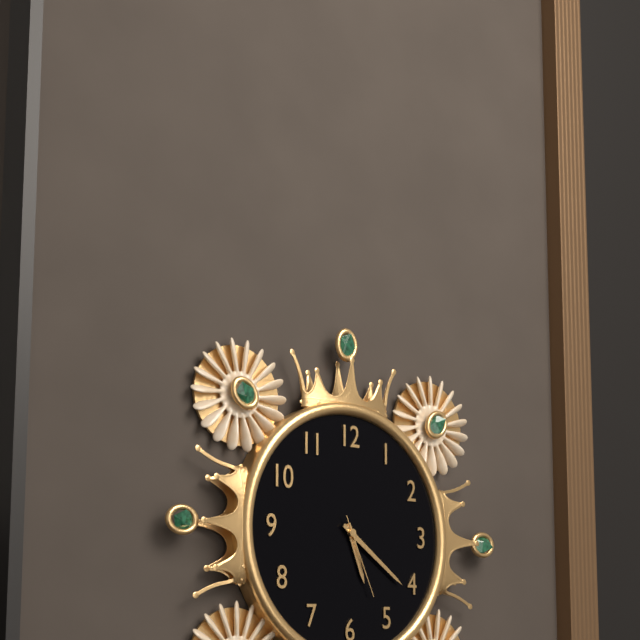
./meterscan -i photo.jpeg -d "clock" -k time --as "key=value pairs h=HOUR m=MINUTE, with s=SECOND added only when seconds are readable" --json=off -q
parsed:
h=5 m=21 s=26
